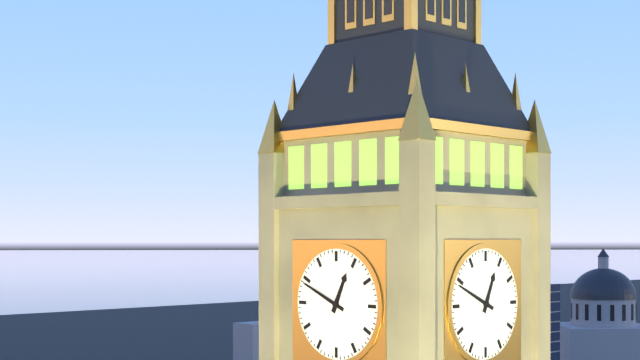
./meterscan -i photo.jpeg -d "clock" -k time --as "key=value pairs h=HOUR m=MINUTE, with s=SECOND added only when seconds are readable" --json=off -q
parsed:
h=12 m=49
